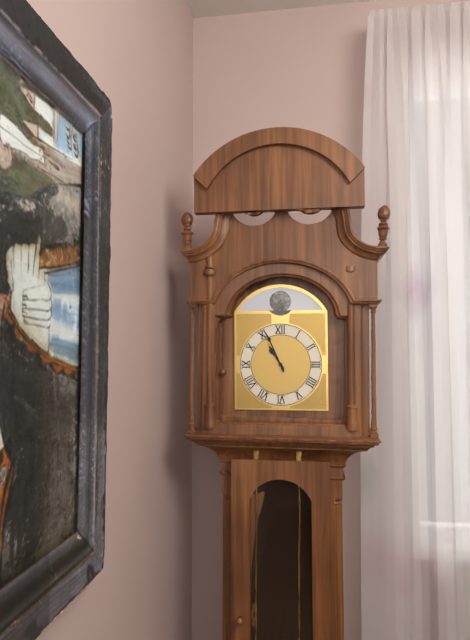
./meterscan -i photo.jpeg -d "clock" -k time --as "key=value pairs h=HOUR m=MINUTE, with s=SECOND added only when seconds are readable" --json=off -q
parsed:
h=10 m=56
